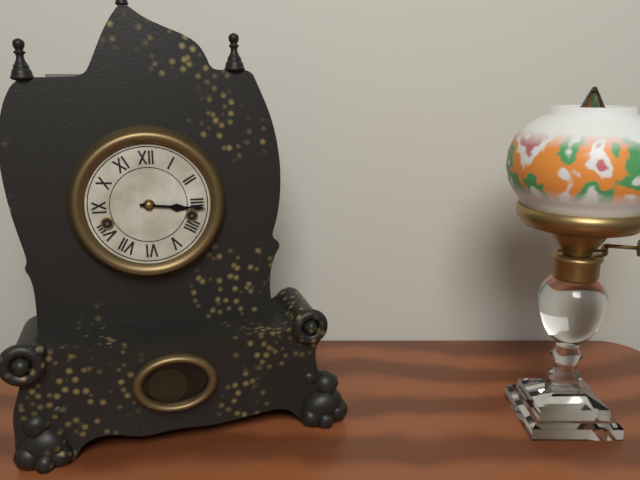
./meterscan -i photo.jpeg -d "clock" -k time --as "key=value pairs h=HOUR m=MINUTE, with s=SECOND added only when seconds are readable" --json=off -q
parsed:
h=3 m=16
